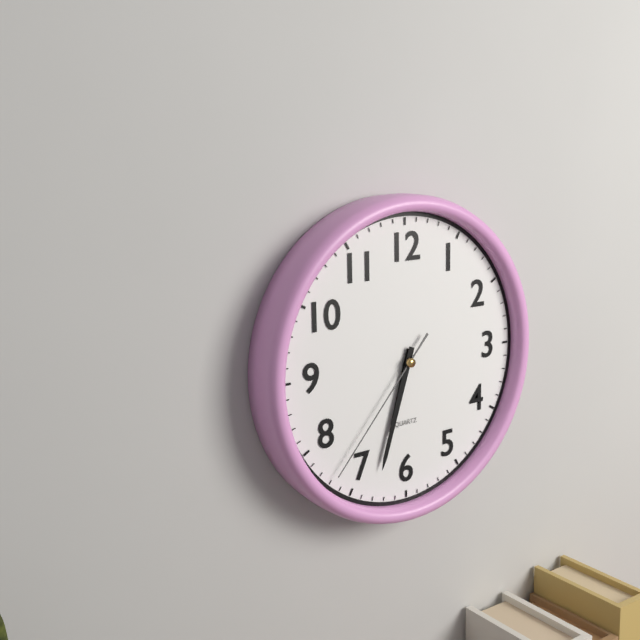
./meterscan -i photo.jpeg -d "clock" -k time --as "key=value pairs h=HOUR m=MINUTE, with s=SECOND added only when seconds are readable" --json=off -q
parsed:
h=6 m=33 s=37
